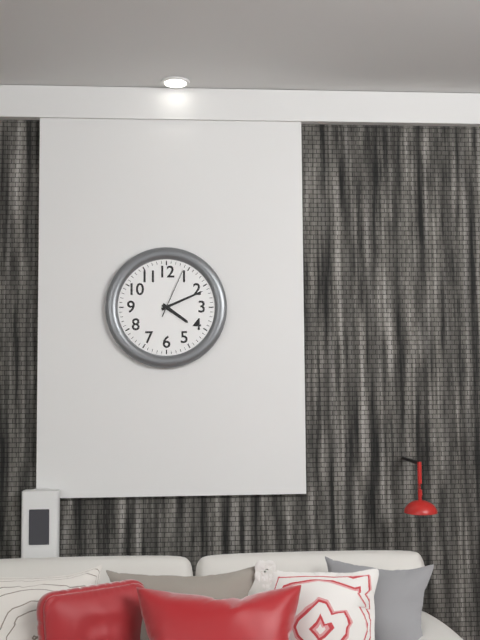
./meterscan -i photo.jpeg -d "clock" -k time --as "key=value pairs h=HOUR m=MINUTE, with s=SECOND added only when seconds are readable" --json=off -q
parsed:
h=4 m=11 s=4
